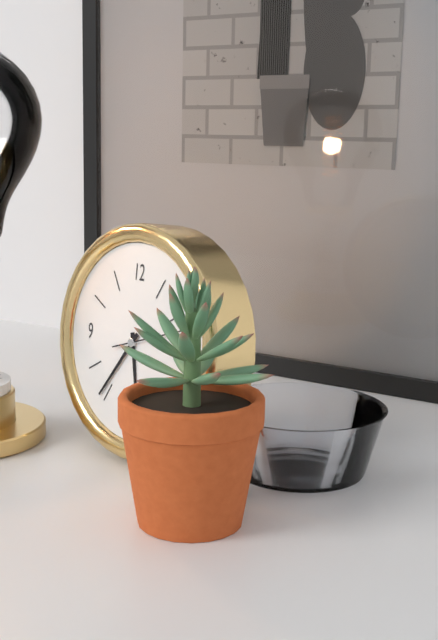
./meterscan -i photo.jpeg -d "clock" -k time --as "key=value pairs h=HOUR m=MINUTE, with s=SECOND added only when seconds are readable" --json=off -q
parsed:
h=5 m=36
